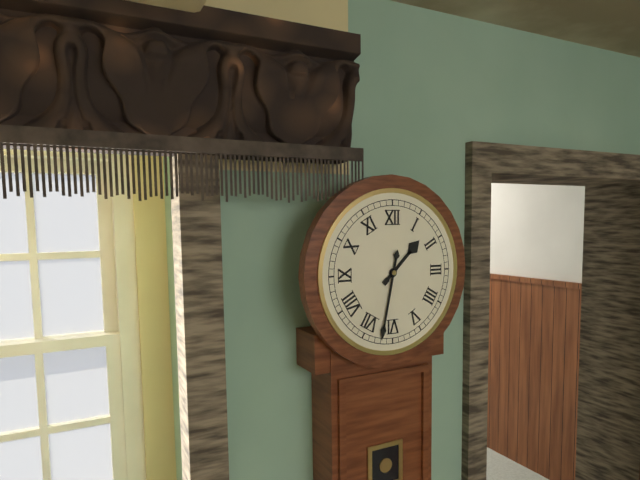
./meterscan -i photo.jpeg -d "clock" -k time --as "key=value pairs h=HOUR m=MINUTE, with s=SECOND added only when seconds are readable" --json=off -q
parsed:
h=1 m=32
